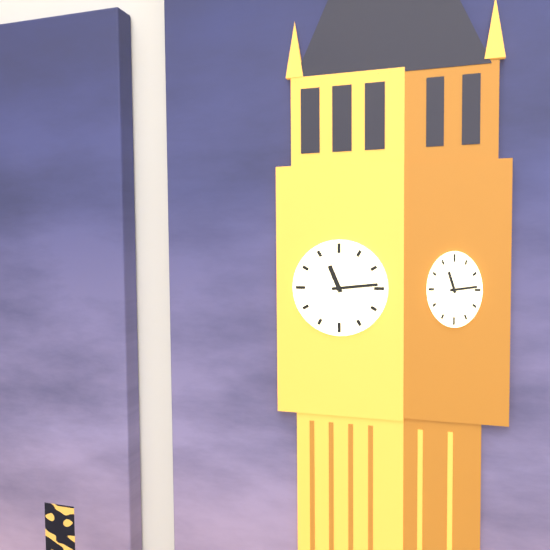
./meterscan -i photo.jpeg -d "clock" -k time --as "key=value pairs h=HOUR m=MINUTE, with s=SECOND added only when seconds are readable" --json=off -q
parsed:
h=11 m=14
